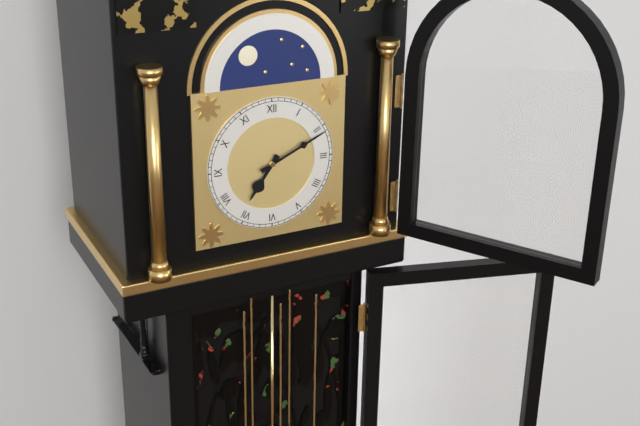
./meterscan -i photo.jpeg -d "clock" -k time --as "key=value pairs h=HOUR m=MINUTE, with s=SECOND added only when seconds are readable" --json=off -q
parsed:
h=7 m=11
